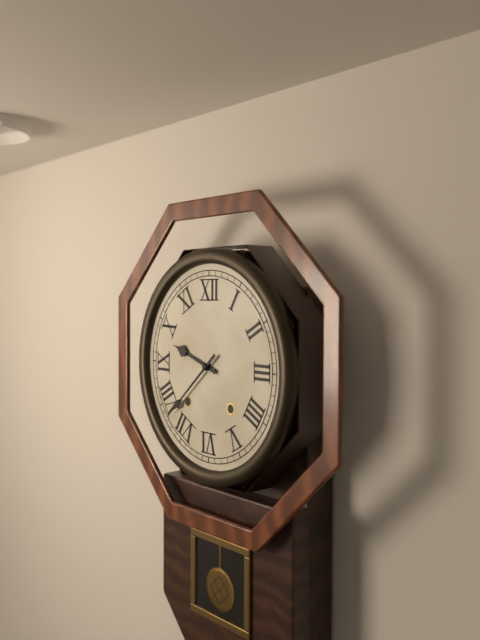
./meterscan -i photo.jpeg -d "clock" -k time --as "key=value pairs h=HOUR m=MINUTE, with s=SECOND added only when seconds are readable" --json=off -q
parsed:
h=9 m=38
